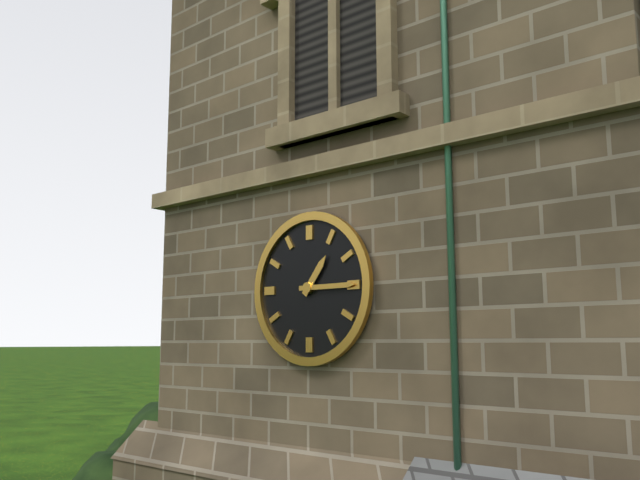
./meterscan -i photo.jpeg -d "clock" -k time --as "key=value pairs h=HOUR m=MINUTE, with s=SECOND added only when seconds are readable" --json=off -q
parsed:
h=1 m=15
